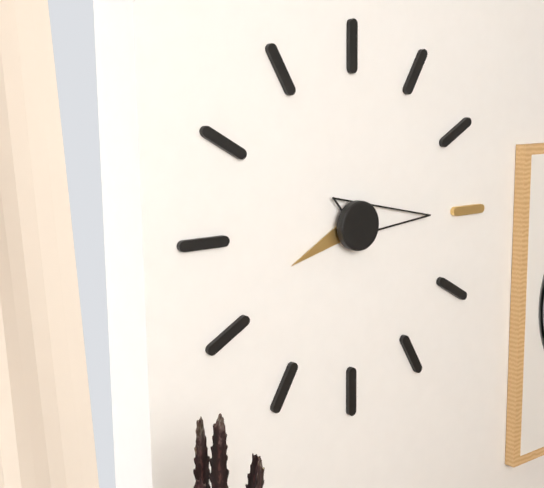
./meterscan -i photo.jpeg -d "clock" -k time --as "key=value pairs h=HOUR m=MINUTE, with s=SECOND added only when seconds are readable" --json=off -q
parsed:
h=8 m=15
